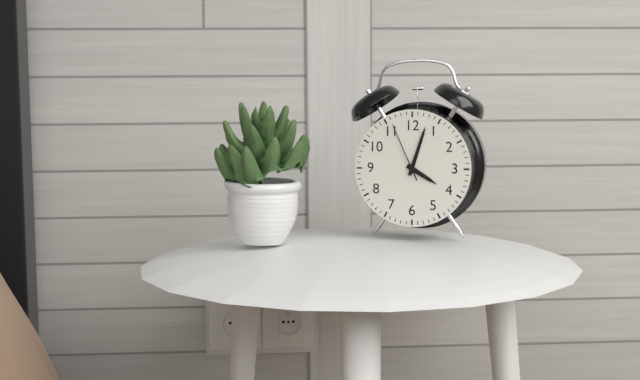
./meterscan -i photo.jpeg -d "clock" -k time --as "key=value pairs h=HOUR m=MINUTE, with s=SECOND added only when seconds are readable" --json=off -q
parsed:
h=4 m=3 s=56
